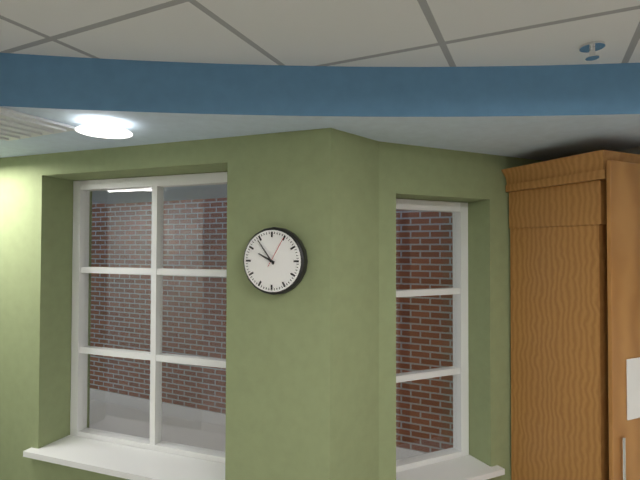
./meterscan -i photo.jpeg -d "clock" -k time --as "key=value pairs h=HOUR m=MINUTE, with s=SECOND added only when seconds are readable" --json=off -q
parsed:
h=9 m=54
